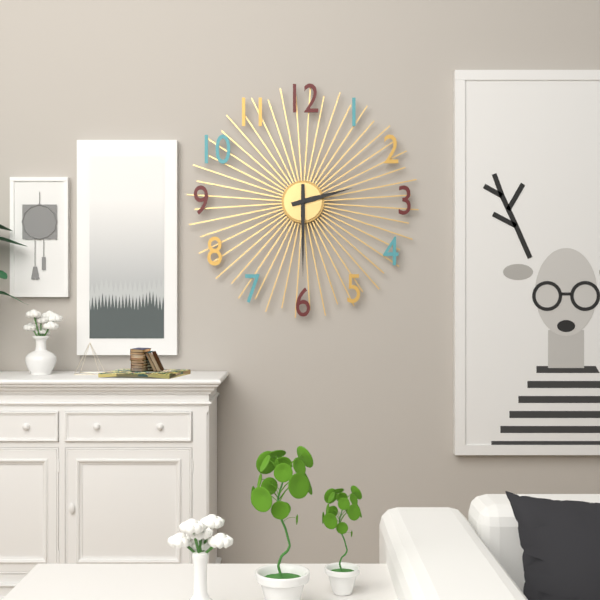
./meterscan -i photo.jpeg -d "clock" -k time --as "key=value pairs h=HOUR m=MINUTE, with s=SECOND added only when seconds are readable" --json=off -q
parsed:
h=2 m=30
